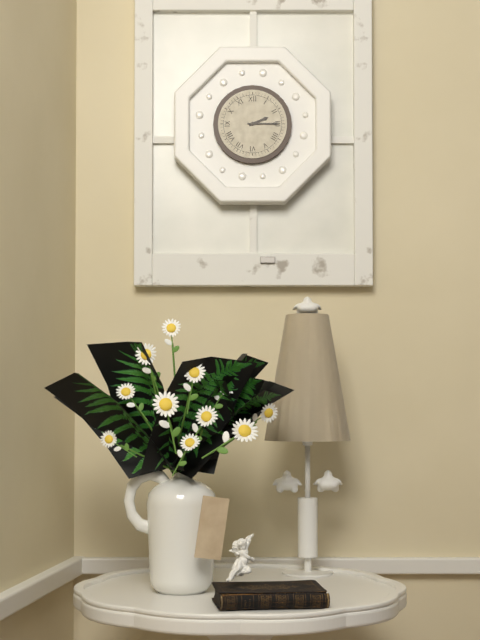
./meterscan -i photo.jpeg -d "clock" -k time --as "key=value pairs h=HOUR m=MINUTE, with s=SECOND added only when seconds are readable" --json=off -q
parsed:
h=2 m=15
